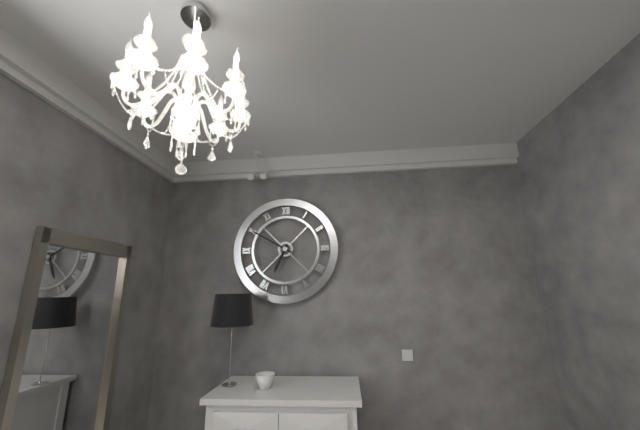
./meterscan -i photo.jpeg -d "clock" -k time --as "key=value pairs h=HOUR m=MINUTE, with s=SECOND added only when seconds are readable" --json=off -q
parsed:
h=6 m=50
